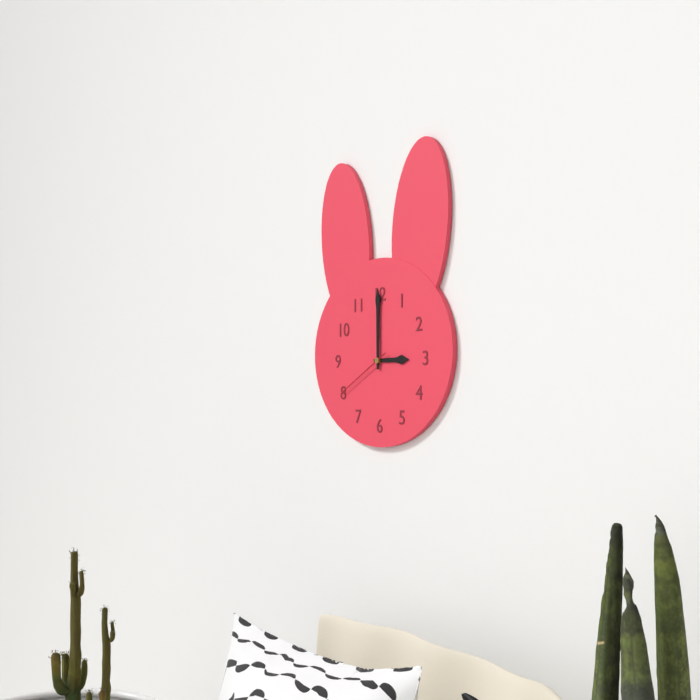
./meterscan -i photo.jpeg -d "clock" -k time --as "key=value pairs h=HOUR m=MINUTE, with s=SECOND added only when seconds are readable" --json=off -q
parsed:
h=3 m=0 s=40
